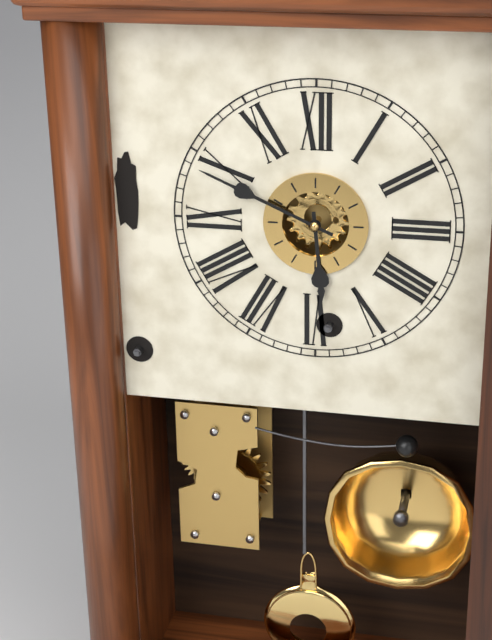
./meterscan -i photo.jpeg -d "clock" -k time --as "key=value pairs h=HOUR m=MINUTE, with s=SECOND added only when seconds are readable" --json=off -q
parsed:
h=5 m=49
